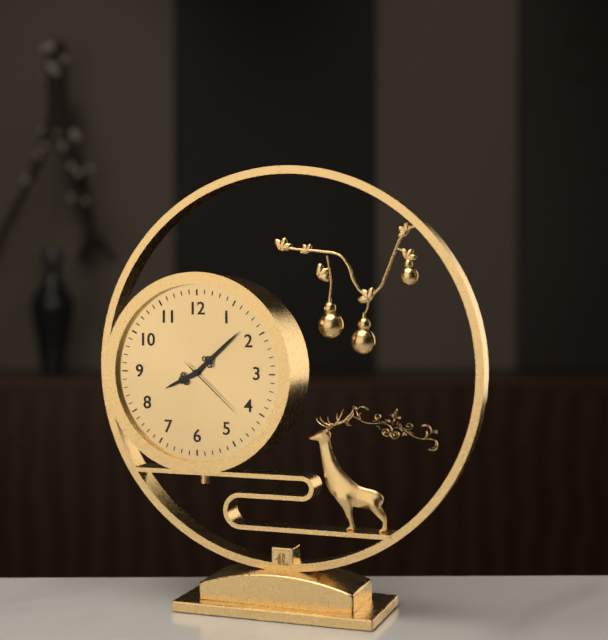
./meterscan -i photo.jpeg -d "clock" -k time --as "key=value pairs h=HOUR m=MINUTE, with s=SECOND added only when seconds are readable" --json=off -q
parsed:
h=8 m=8 s=22
